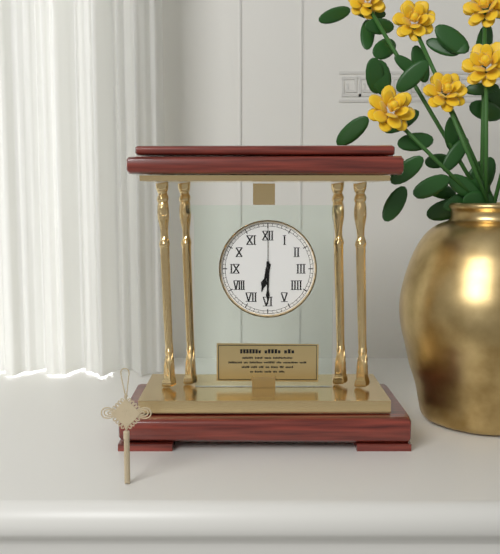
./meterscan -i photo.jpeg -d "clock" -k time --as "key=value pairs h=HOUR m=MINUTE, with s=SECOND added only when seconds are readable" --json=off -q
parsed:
h=6 m=30 s=0
